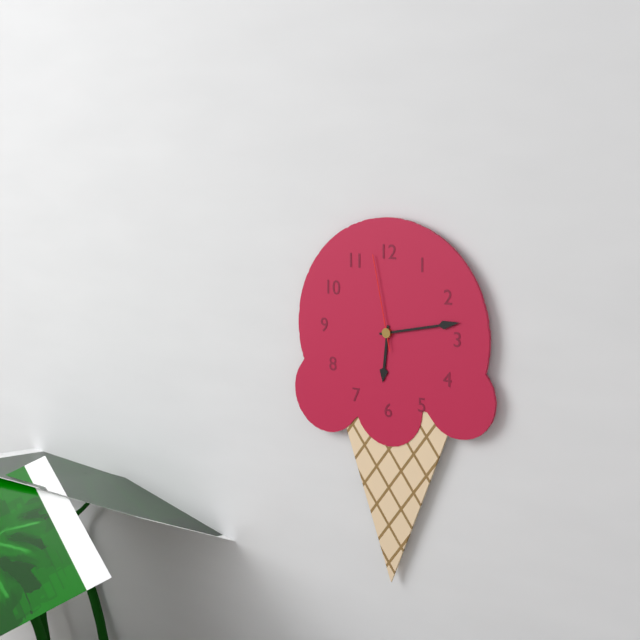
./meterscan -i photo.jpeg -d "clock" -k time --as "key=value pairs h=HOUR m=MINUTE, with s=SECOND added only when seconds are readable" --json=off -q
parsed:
h=6 m=13 s=58
